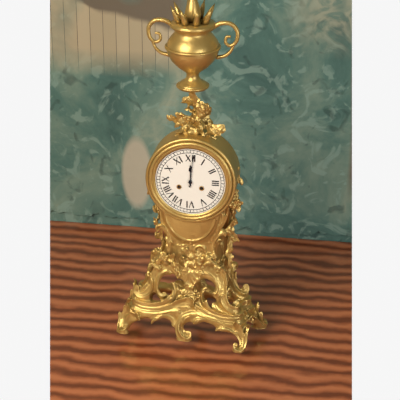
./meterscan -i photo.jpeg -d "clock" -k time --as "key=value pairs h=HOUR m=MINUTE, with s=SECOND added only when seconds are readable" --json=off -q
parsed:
h=12 m=1
